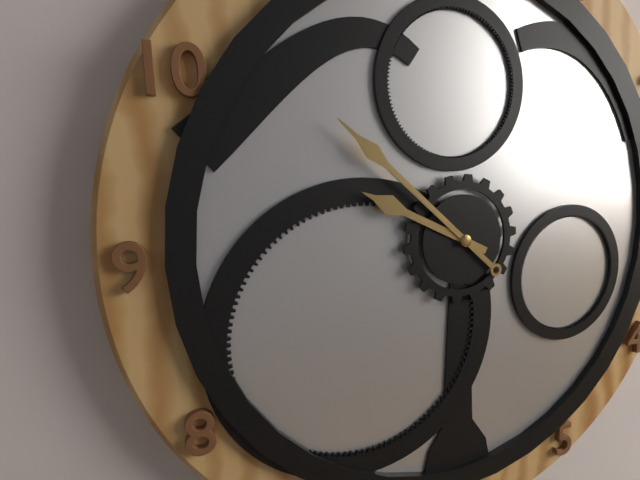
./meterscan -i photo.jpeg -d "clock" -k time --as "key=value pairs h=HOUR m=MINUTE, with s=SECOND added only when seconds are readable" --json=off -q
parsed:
h=9 m=52
